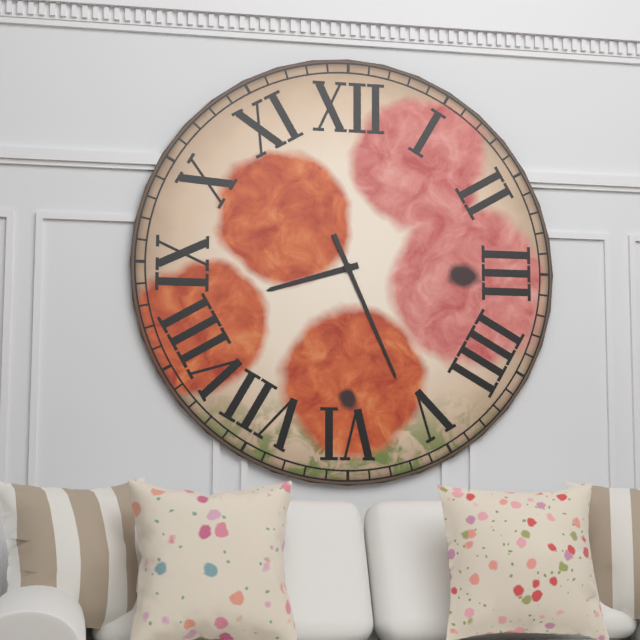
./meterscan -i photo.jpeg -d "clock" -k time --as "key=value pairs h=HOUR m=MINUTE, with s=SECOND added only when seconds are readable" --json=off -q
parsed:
h=8 m=26
